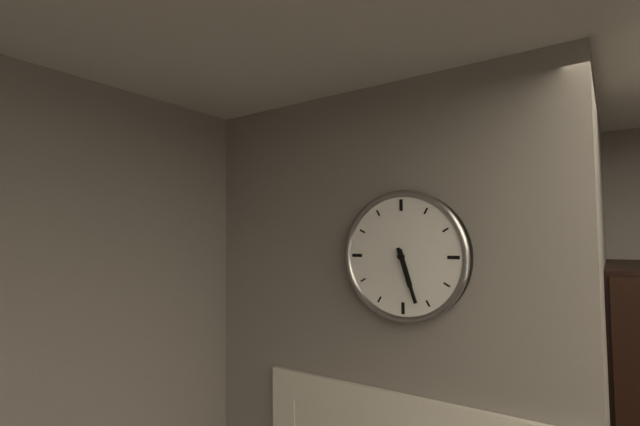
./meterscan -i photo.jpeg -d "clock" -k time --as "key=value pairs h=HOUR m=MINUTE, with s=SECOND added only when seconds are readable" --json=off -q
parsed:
h=5 m=27
